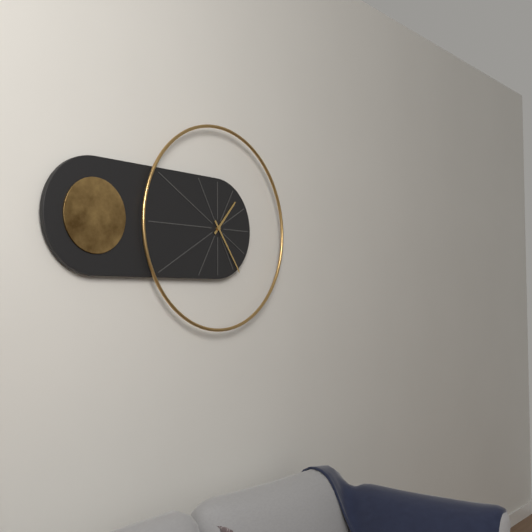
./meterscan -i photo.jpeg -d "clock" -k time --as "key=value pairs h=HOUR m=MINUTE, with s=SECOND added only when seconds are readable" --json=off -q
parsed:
h=1 m=24
